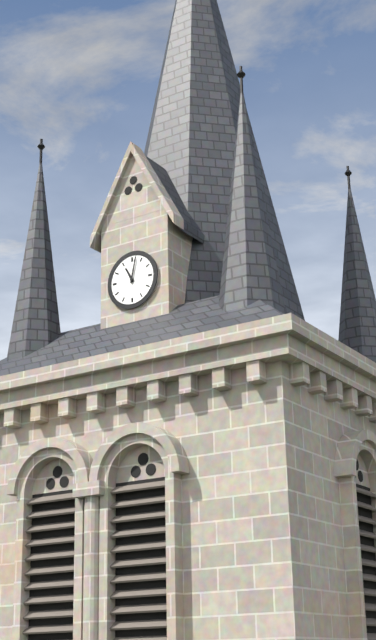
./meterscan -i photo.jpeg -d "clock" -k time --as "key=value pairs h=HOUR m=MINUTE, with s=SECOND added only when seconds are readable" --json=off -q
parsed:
h=11 m=2
